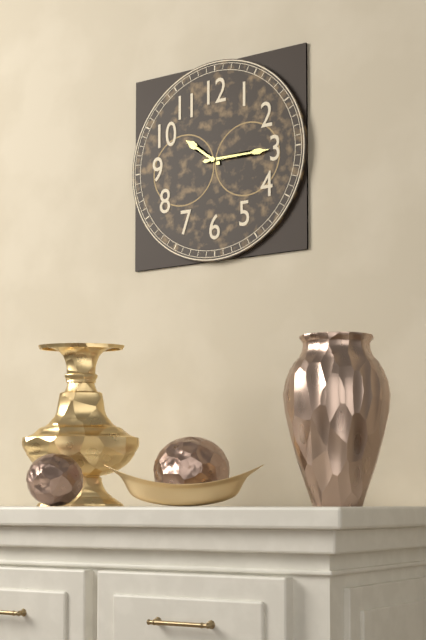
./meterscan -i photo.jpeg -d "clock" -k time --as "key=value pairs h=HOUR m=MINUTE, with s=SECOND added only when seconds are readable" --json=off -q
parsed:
h=10 m=15
